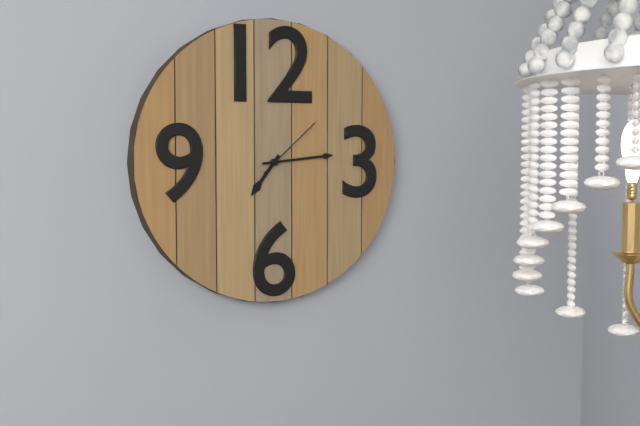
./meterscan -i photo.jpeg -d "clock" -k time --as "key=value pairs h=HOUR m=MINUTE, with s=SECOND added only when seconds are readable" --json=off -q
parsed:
h=7 m=14 s=8
